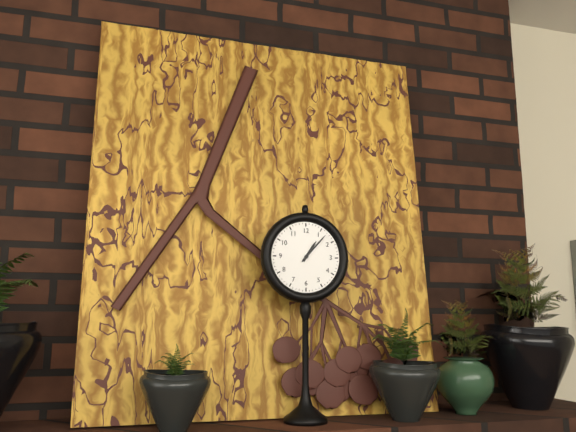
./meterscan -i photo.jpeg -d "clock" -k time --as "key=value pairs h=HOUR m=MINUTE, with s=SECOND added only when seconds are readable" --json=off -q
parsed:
h=1 m=7
